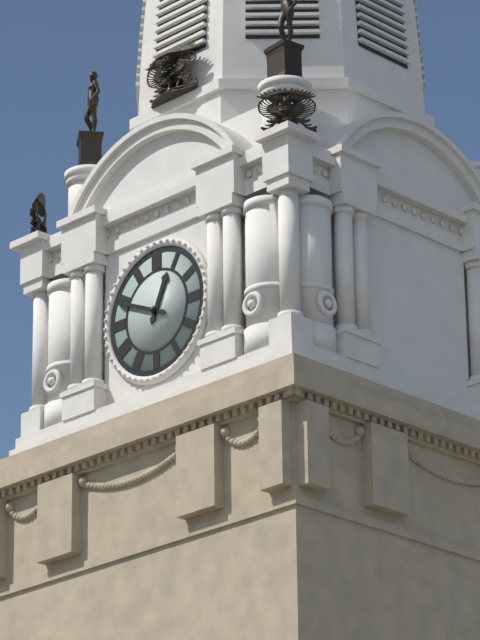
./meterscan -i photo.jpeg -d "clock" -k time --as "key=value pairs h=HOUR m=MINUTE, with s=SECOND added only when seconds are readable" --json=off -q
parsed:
h=12 m=49
